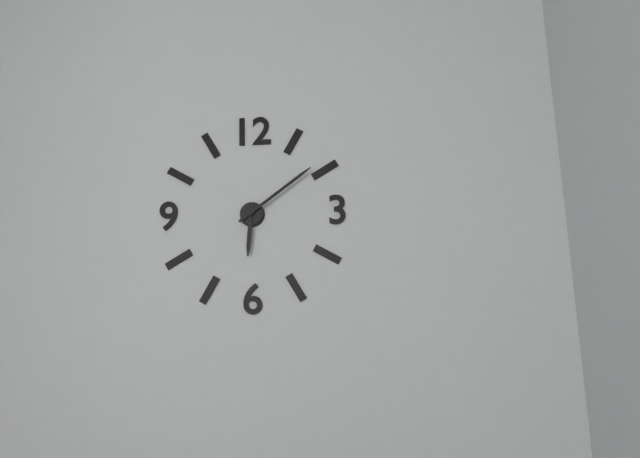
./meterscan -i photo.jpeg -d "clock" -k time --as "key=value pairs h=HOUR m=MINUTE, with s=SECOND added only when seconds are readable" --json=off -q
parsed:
h=6 m=9
